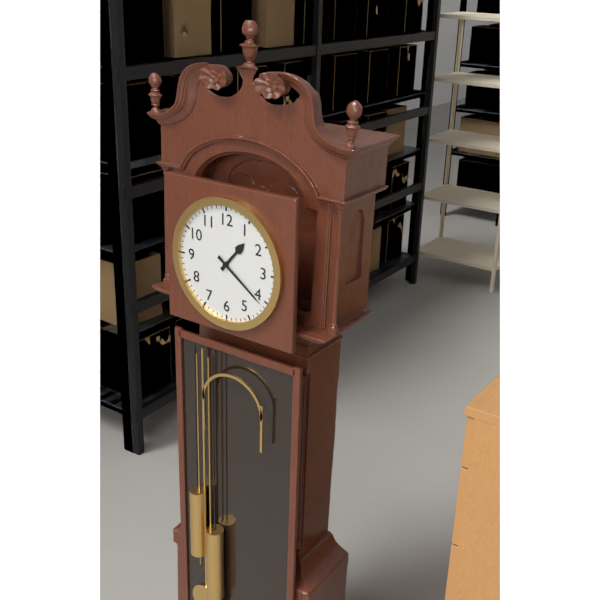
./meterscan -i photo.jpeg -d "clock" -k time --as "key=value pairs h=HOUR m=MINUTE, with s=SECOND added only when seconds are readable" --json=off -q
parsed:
h=1 m=21
